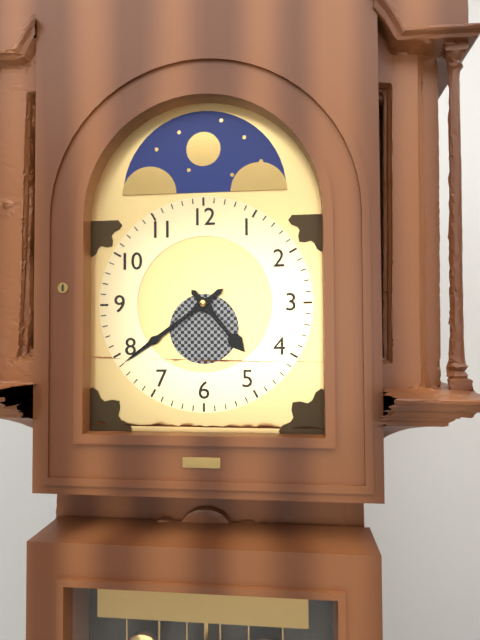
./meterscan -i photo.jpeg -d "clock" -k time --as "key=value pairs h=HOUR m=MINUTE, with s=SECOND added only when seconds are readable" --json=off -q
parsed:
h=4 m=39
